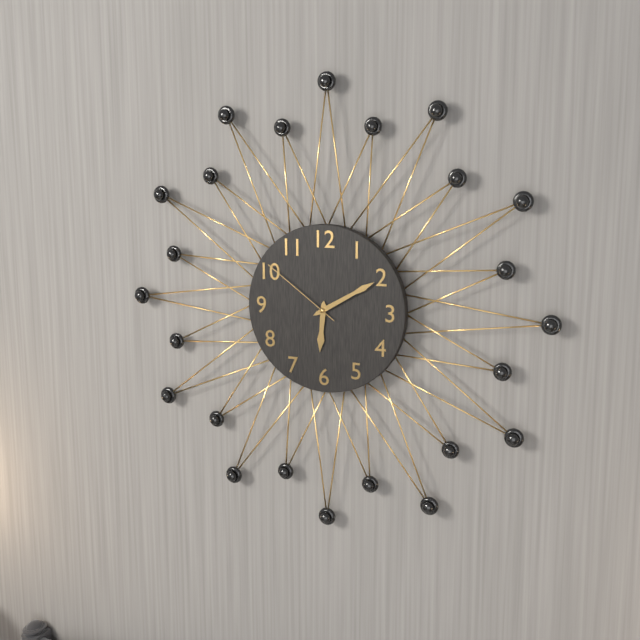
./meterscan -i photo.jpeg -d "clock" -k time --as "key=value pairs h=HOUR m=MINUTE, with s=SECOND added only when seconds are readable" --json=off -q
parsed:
h=6 m=10 s=51
